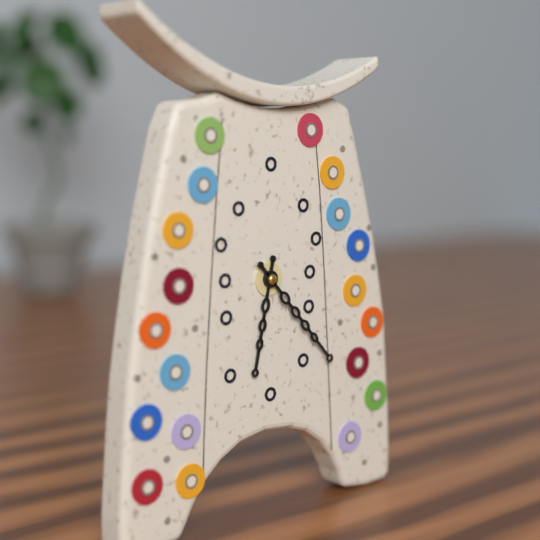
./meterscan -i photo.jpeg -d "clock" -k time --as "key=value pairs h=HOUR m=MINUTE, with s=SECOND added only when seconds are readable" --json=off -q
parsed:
h=6 m=23
